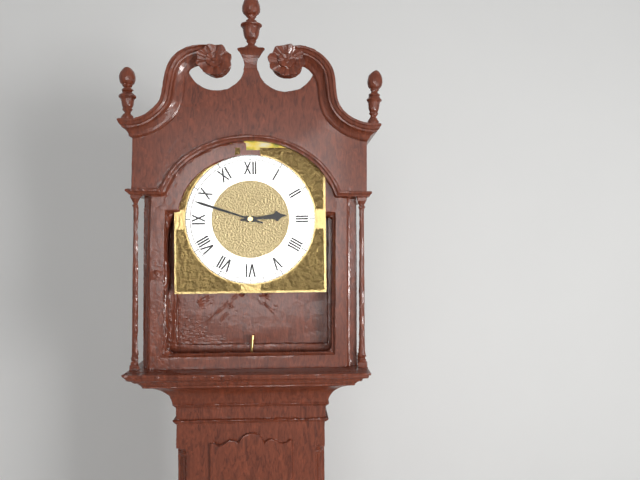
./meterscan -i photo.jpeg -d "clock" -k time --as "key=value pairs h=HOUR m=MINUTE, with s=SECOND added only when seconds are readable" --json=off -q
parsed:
h=2 m=48
